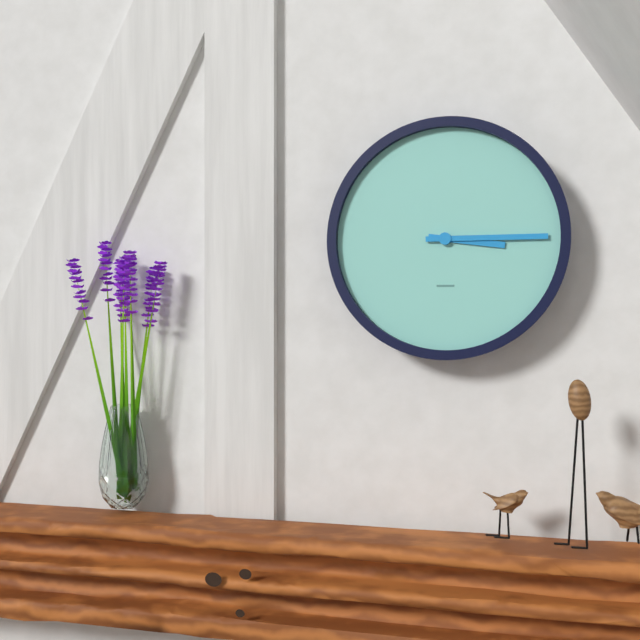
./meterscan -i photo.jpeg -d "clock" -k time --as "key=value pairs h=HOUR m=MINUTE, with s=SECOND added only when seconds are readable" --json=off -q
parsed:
h=3 m=15
